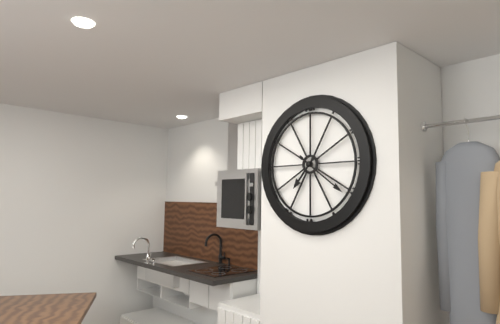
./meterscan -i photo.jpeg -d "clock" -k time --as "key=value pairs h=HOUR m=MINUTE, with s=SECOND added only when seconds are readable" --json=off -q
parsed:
h=7 m=21
